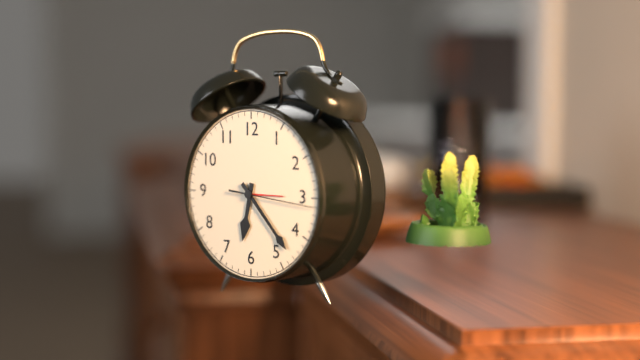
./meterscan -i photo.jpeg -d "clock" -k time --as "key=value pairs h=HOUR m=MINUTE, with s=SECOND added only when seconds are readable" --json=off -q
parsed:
h=6 m=23 s=16
